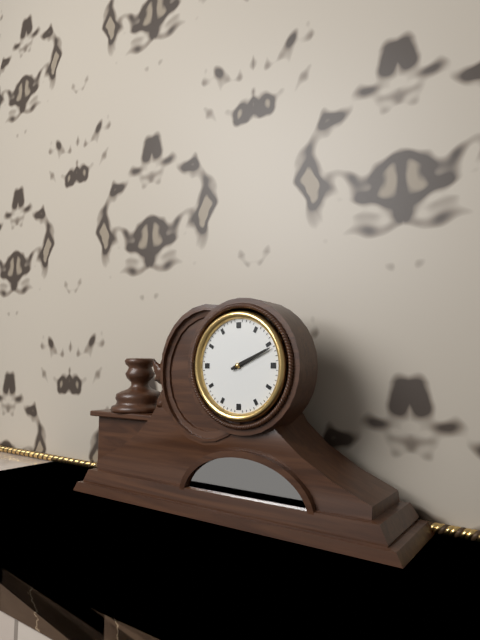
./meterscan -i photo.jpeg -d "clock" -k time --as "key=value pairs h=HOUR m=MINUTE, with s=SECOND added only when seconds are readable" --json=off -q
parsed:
h=2 m=11
